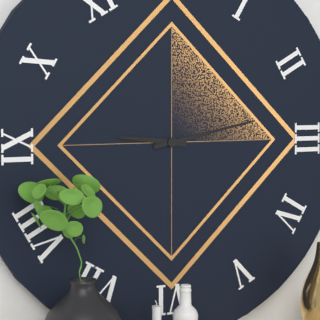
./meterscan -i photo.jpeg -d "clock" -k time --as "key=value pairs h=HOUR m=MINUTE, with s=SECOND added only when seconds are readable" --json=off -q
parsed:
h=9 m=13
